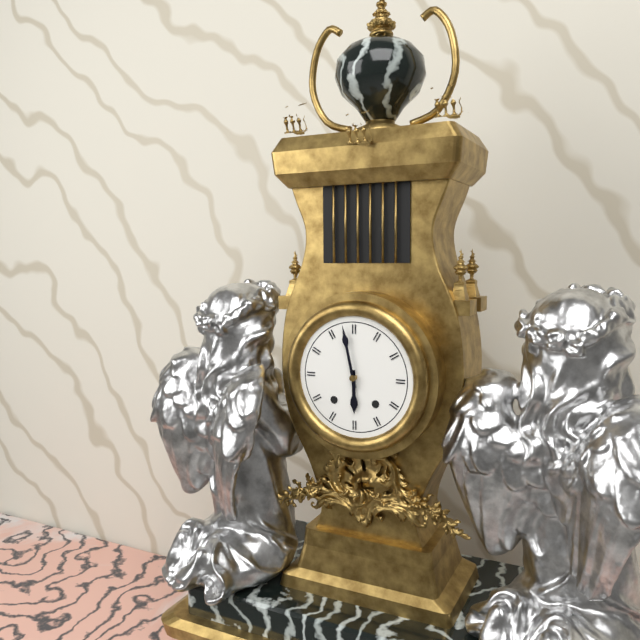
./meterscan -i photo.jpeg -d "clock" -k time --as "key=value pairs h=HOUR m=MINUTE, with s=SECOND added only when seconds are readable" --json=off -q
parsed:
h=5 m=58
